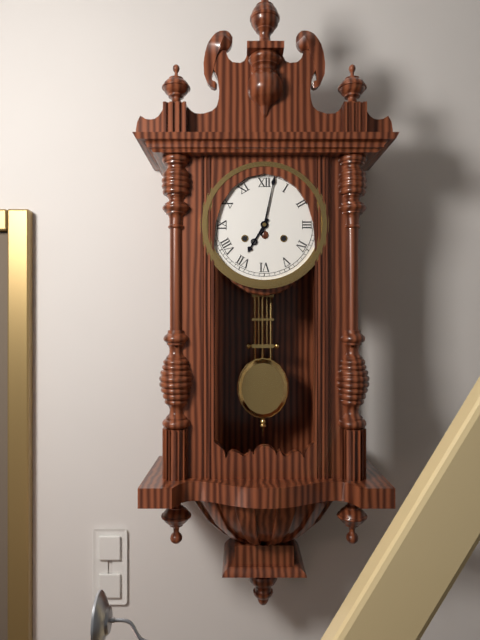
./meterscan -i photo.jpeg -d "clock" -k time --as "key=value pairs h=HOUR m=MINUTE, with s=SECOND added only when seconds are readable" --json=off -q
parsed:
h=7 m=2
